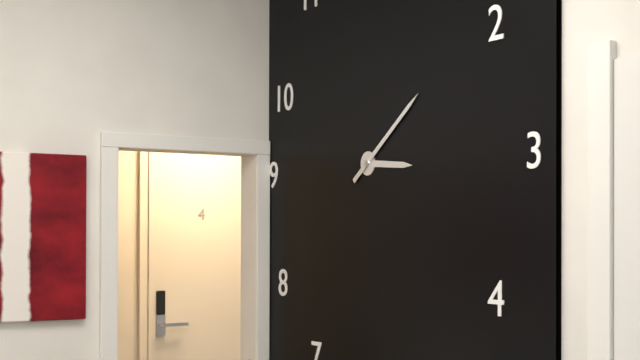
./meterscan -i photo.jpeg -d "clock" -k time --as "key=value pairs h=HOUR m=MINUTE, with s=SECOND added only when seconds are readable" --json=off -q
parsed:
h=3 m=9
